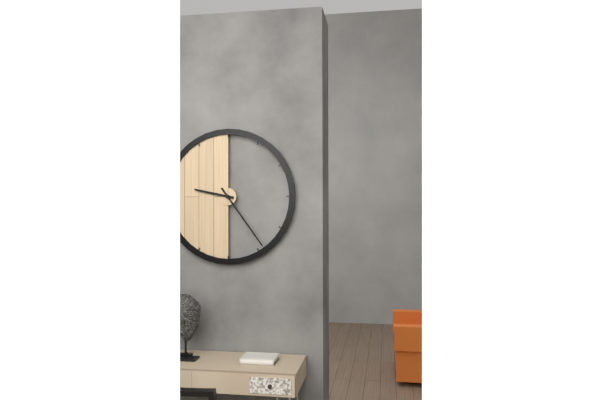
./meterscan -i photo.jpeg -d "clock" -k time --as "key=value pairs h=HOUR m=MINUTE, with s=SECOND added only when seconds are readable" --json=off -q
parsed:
h=9 m=24
